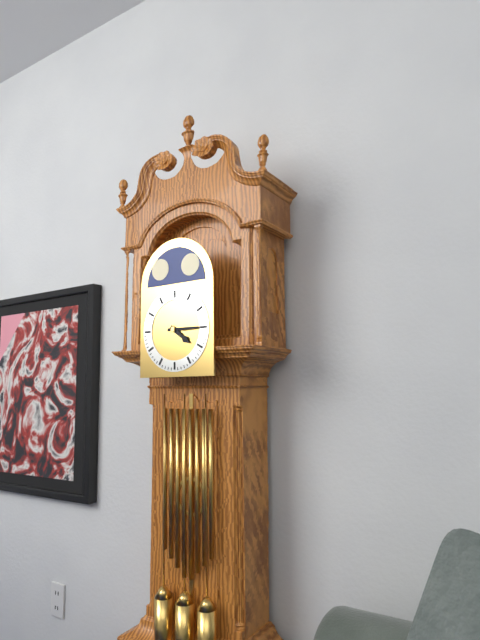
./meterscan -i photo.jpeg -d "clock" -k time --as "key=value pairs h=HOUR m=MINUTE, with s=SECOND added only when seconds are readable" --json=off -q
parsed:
h=4 m=15
